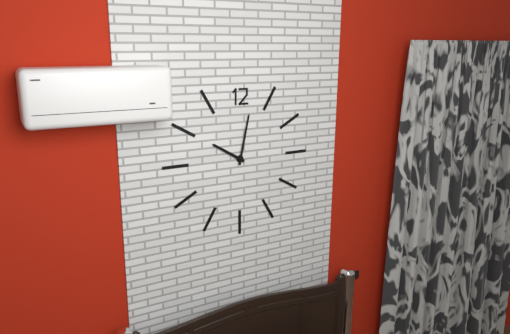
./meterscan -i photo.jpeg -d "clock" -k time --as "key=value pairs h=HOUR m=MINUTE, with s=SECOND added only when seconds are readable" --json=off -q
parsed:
h=10 m=2
